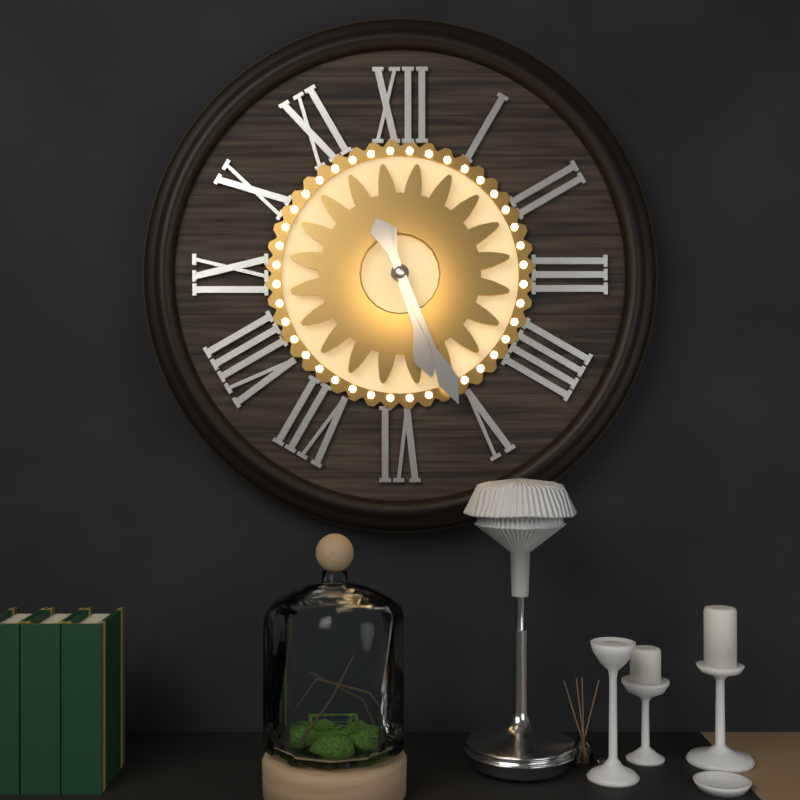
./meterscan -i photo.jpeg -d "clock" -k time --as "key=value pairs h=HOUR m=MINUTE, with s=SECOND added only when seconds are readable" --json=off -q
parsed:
h=5 m=26
